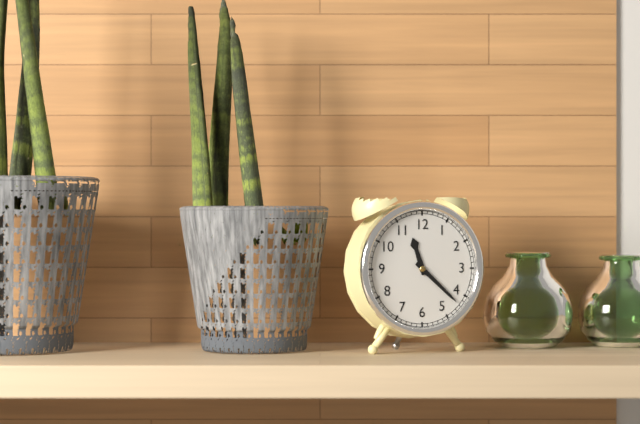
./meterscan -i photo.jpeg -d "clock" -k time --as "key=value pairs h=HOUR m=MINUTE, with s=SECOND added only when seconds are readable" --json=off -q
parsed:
h=11 m=22
